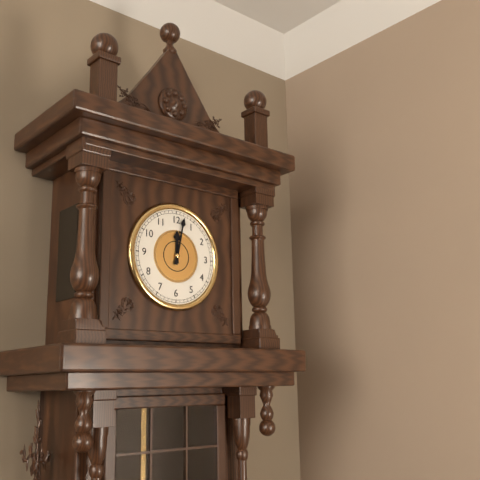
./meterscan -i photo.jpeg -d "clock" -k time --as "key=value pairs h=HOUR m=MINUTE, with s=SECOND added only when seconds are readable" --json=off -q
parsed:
h=12 m=2
